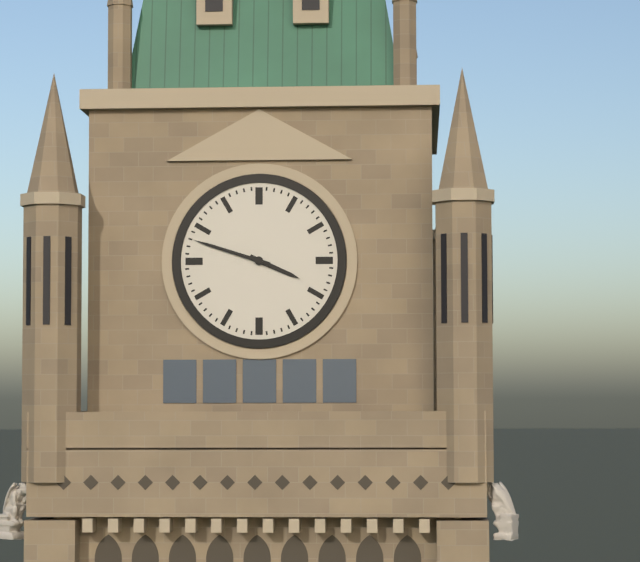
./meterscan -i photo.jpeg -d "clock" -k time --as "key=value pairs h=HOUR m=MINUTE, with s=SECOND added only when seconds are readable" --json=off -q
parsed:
h=3 m=48
